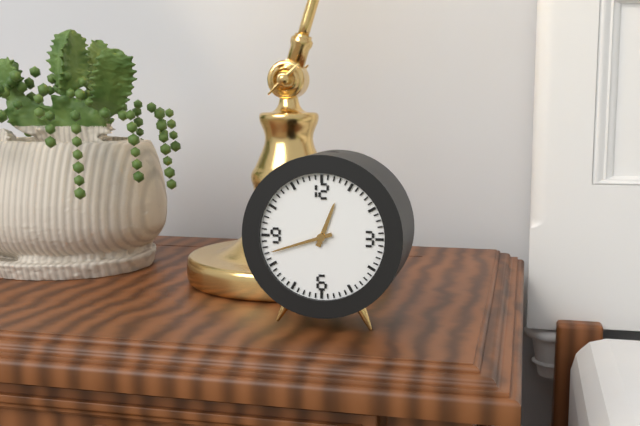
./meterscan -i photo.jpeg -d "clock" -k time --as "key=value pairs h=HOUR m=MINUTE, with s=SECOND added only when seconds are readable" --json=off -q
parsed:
h=12 m=42
